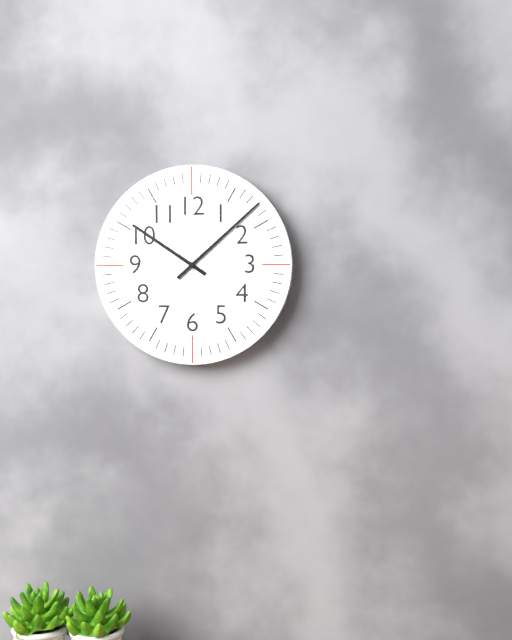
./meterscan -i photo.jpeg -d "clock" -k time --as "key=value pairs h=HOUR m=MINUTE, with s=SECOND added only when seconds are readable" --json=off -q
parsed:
h=10 m=8
